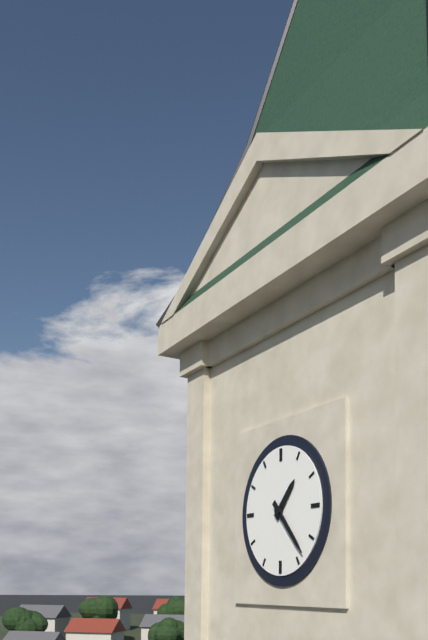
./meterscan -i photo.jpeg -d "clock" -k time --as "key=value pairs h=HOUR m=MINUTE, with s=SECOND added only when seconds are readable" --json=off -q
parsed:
h=1 m=23
